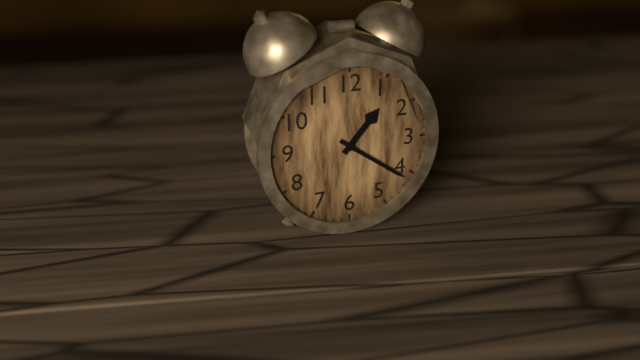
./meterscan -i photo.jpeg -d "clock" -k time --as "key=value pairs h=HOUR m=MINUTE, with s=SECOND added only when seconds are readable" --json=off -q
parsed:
h=1 m=21
